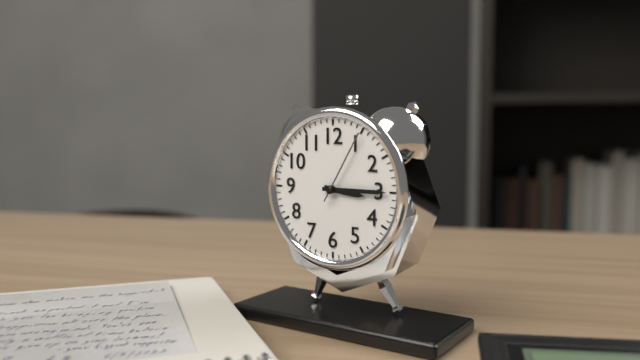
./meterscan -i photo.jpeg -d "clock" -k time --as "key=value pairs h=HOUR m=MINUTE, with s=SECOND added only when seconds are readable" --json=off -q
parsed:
h=3 m=15 s=5
